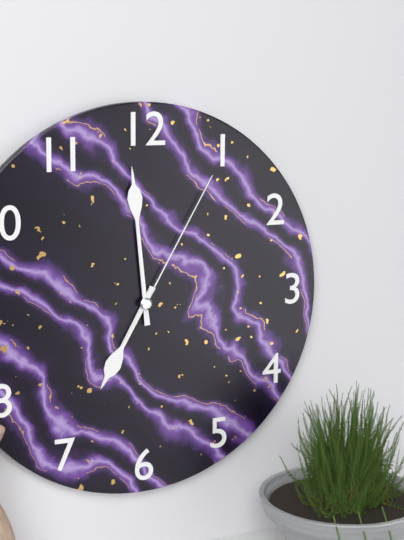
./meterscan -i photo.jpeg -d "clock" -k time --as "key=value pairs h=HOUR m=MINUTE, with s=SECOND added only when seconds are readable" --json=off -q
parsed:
h=6 m=59 s=5
